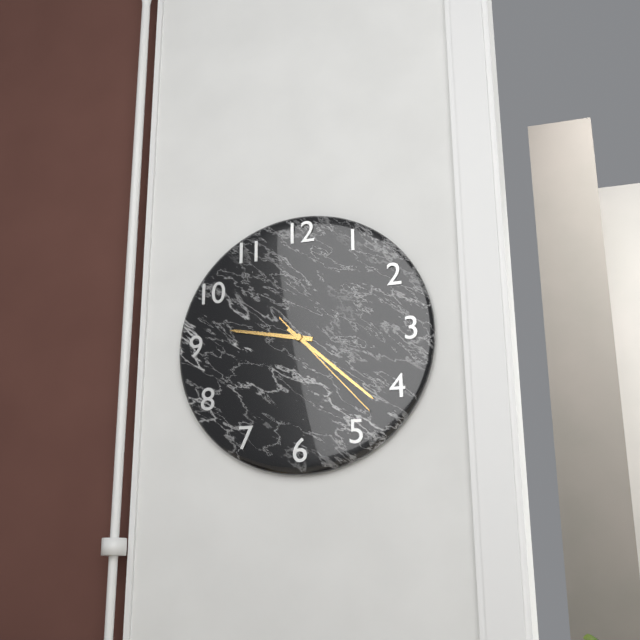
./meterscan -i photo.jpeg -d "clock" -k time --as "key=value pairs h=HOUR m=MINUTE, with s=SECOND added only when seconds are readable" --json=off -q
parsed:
h=9 m=22 s=23
